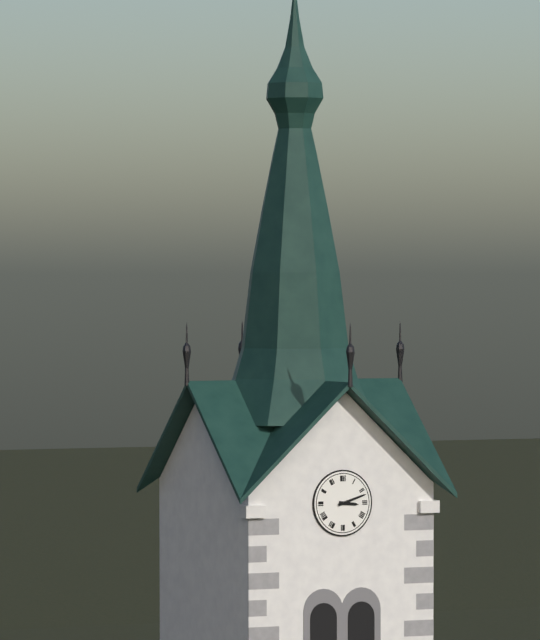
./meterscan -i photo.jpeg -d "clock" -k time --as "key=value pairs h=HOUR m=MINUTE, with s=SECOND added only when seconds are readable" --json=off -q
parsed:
h=3 m=12
